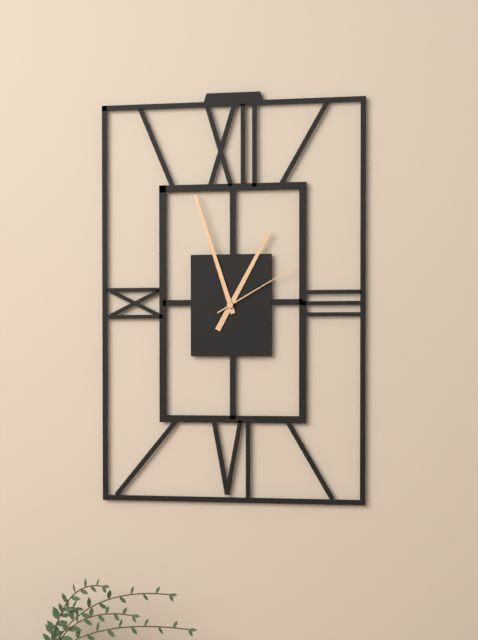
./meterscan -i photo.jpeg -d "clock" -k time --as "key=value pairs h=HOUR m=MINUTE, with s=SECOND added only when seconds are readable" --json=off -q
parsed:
h=12 m=57 s=10
